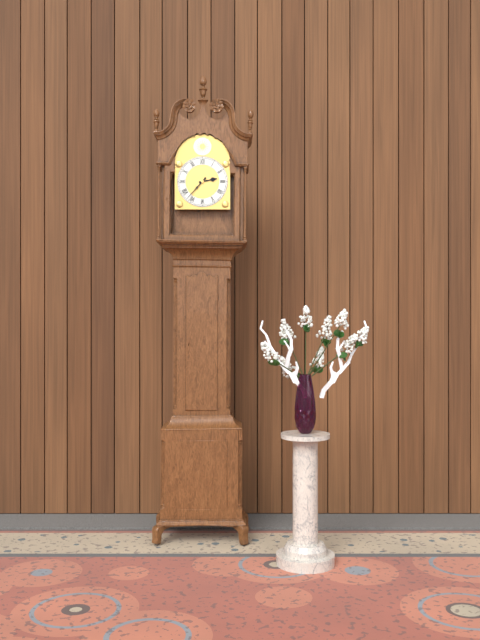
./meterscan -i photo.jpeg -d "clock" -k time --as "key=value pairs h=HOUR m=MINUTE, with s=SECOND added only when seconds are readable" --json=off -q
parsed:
h=2 m=37
